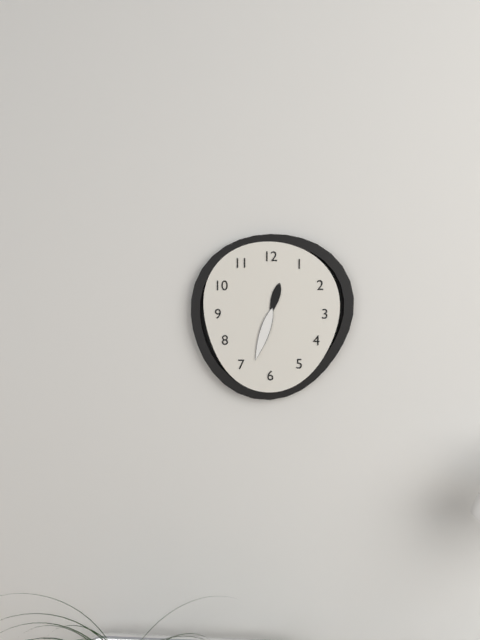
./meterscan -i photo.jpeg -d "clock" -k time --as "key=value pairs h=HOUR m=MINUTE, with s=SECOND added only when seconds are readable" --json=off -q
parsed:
h=12 m=33
